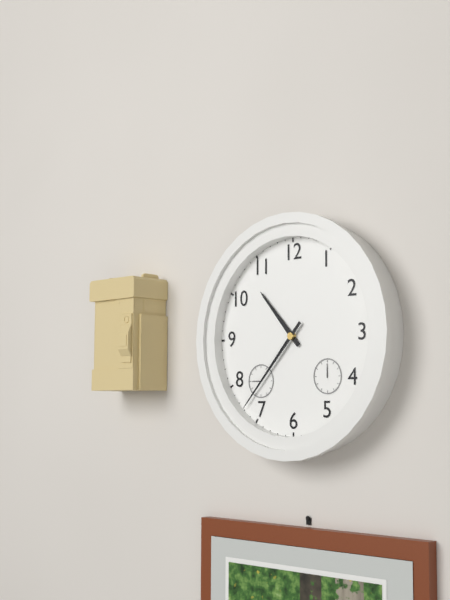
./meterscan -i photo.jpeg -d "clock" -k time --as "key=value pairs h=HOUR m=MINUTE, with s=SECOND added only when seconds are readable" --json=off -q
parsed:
h=10 m=37
